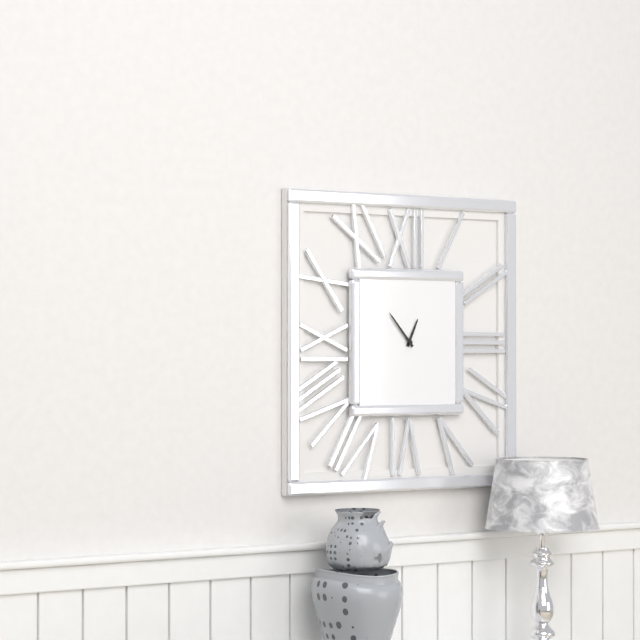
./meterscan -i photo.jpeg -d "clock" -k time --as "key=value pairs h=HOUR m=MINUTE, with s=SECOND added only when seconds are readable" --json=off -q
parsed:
h=12 m=53
